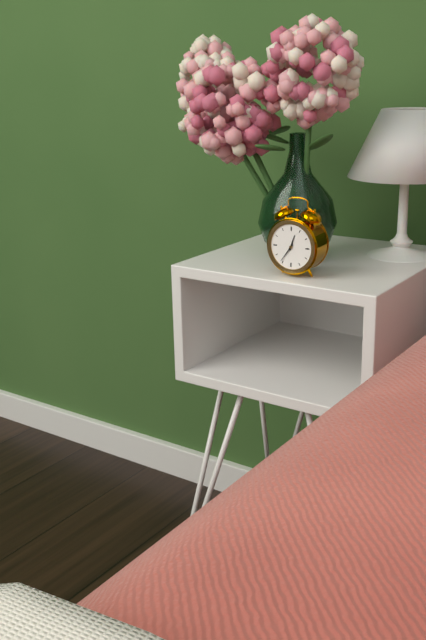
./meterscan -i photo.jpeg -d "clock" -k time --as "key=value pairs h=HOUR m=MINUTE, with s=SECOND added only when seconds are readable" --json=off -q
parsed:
h=12 m=36
